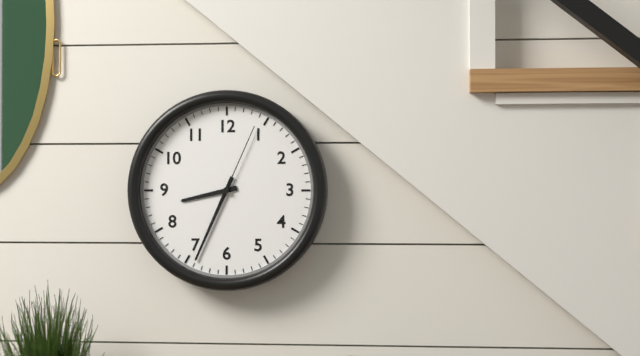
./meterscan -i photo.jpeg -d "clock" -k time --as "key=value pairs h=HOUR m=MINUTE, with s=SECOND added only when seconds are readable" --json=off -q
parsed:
h=8 m=34 s=4
